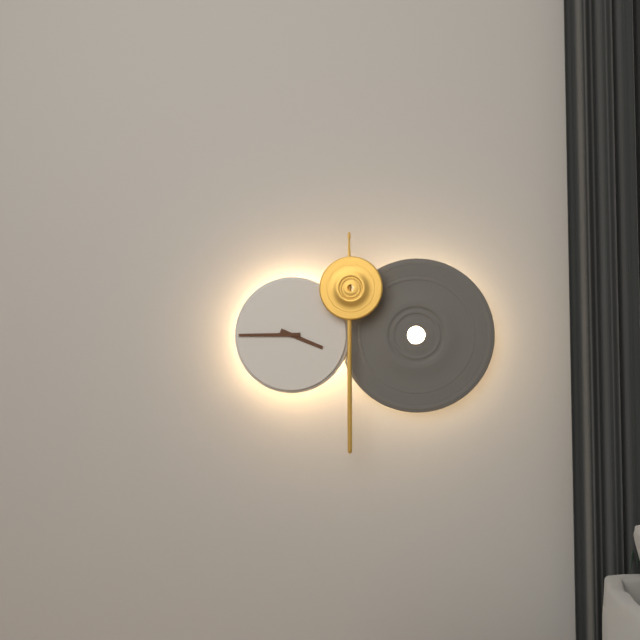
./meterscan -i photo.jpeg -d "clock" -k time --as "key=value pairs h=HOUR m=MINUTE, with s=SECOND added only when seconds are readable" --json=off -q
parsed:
h=3 m=45
